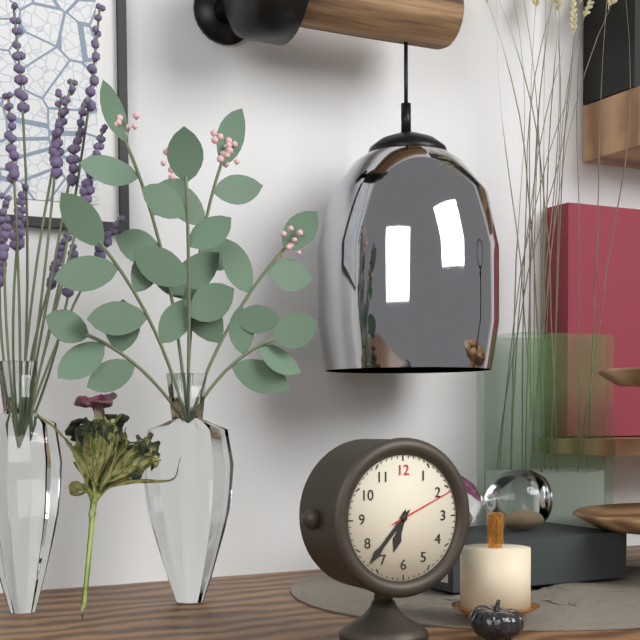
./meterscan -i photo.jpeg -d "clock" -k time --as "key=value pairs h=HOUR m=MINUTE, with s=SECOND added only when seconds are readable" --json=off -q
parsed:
h=6 m=37 s=11
